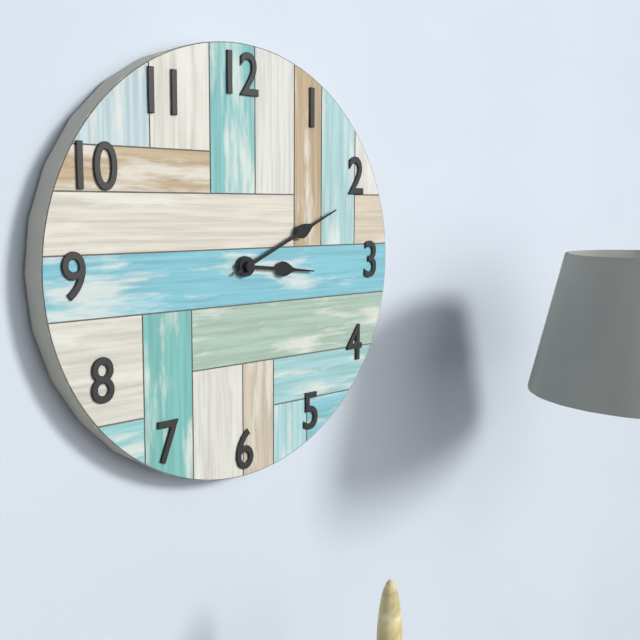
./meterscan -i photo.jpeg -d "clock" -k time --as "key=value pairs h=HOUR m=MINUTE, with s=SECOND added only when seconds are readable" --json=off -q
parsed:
h=3 m=11
